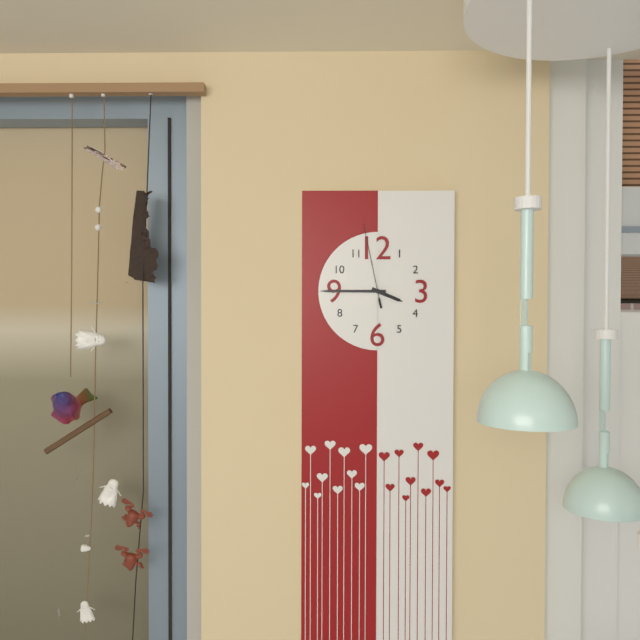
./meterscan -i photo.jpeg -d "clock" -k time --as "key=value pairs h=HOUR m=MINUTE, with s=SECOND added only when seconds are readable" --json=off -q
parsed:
h=3 m=45 s=58
